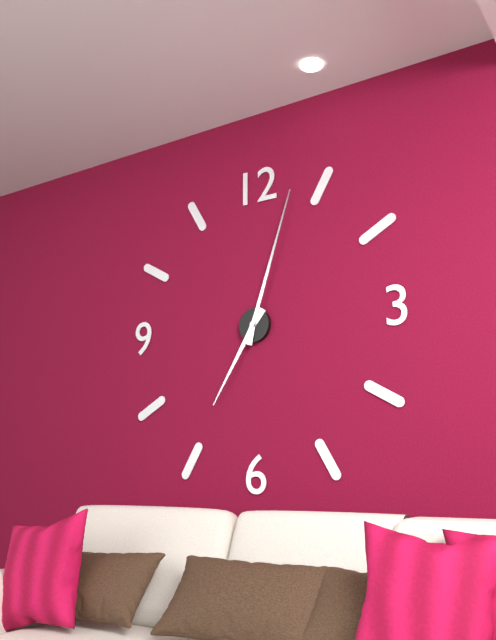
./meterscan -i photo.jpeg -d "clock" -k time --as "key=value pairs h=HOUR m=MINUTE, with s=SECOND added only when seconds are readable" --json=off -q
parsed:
h=7 m=3
